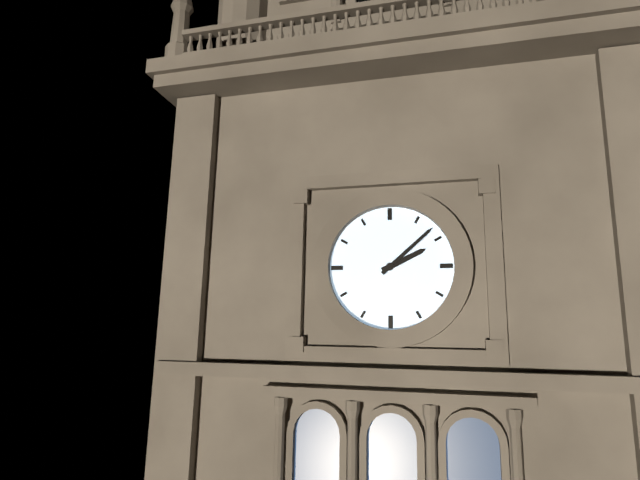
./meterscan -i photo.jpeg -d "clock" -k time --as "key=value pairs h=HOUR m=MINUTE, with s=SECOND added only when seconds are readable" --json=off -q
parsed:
h=2 m=8
